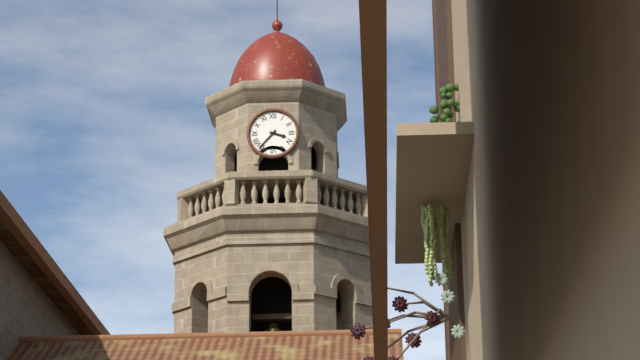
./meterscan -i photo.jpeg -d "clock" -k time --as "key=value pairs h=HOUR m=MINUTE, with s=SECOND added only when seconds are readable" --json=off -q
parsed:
h=3 m=37
